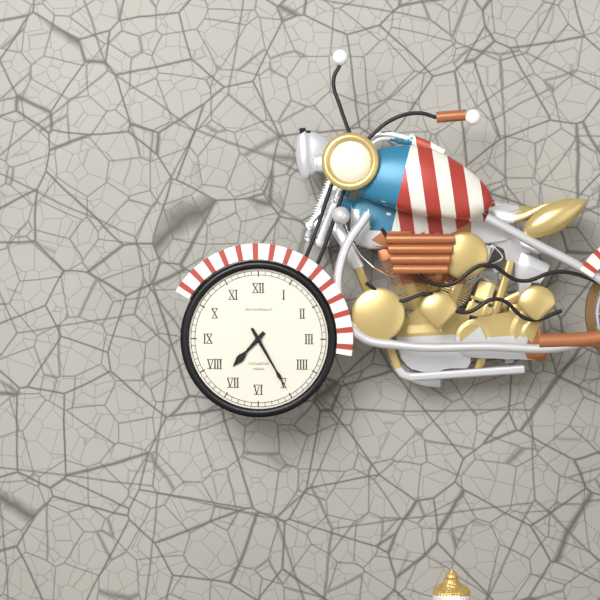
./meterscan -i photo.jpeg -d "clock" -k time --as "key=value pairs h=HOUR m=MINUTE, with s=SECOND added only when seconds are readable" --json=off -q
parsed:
h=7 m=25
